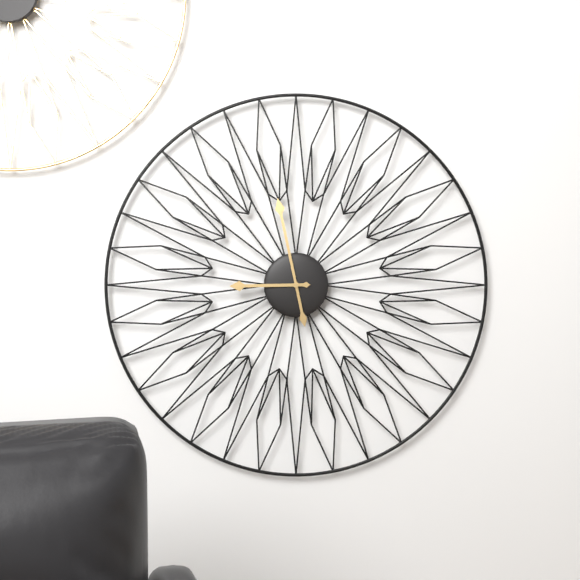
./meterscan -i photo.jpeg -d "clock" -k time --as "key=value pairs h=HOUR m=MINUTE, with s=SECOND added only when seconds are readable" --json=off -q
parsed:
h=8 m=58
